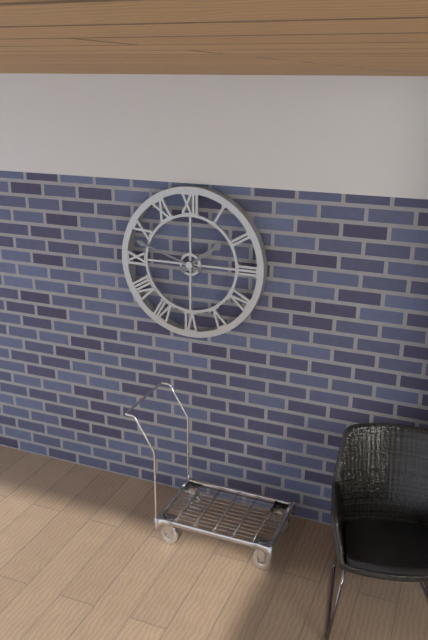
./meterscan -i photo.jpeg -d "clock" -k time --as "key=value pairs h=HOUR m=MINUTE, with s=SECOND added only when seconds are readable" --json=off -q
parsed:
h=1 m=48
